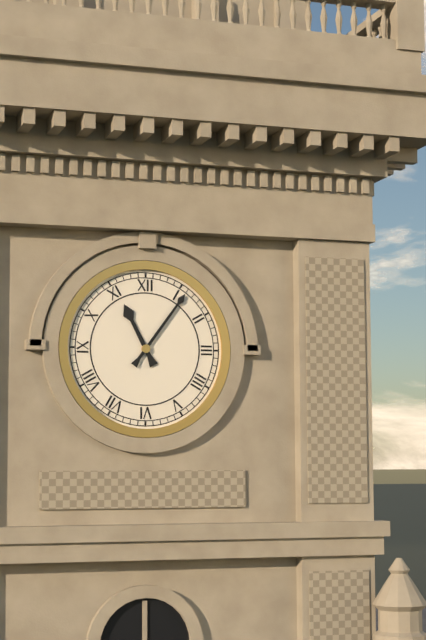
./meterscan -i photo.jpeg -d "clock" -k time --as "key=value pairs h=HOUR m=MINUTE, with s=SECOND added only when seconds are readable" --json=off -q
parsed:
h=11 m=6
